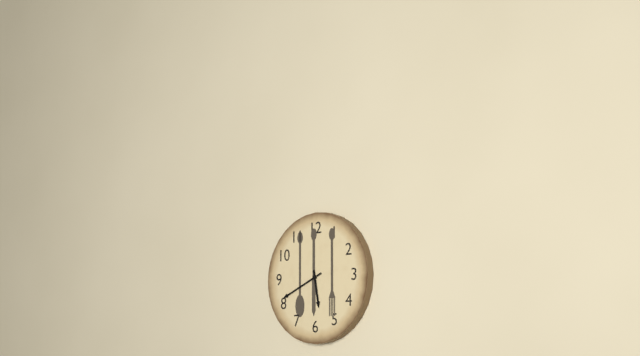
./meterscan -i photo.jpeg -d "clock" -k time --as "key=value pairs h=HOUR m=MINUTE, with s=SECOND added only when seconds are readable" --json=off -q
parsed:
h=5 m=41
